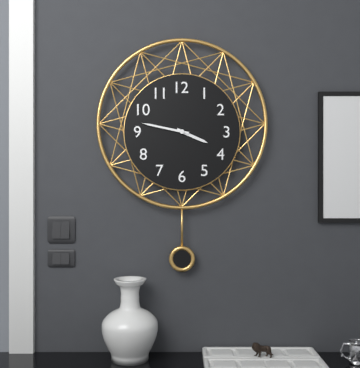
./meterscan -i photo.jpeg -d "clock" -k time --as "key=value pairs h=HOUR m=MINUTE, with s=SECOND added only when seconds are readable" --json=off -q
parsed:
h=3 m=47
